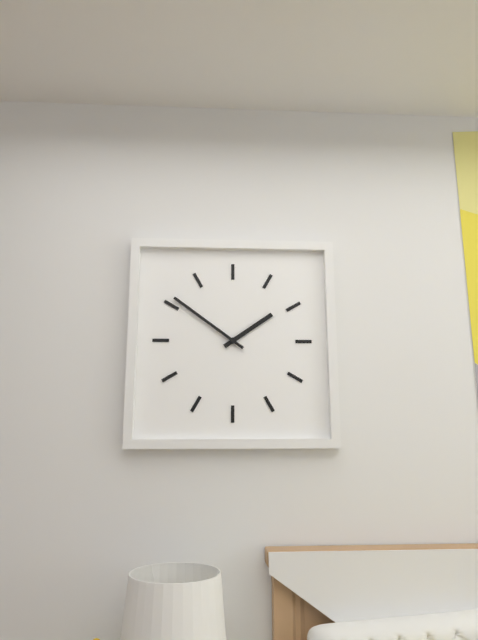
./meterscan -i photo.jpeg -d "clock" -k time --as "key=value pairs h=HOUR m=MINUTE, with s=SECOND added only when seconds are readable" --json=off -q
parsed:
h=1 m=51
